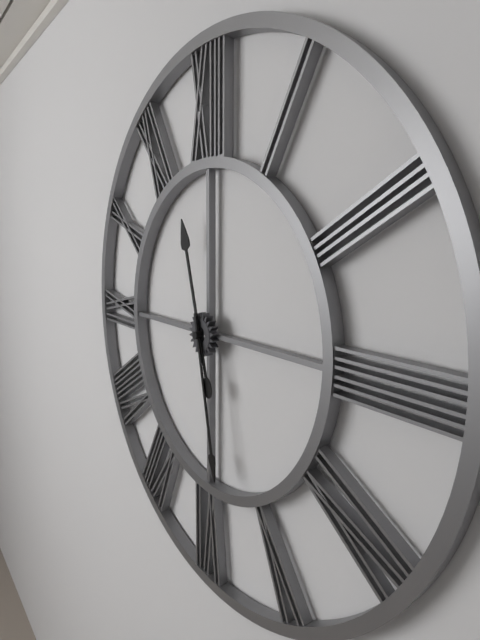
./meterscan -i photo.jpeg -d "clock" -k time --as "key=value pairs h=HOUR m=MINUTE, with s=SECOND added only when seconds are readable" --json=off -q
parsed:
h=11 m=28
